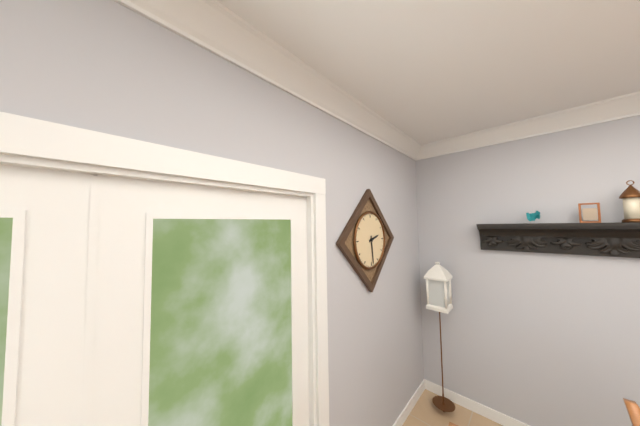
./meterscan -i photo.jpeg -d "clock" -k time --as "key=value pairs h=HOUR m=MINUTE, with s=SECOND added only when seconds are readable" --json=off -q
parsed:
h=2 m=29
